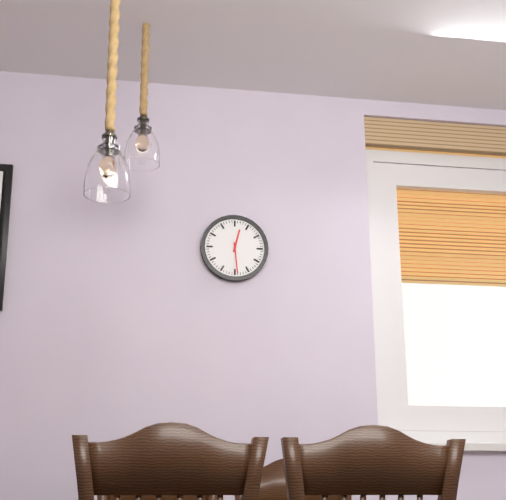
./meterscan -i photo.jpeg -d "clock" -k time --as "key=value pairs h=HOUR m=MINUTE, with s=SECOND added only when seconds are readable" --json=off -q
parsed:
h=12 m=29
